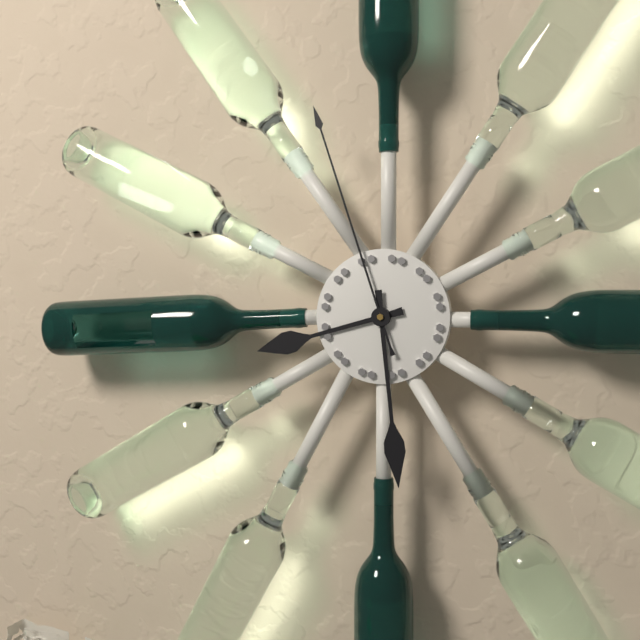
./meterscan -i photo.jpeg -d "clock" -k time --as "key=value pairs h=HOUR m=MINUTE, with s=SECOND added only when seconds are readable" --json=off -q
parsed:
h=8 m=29 s=57
